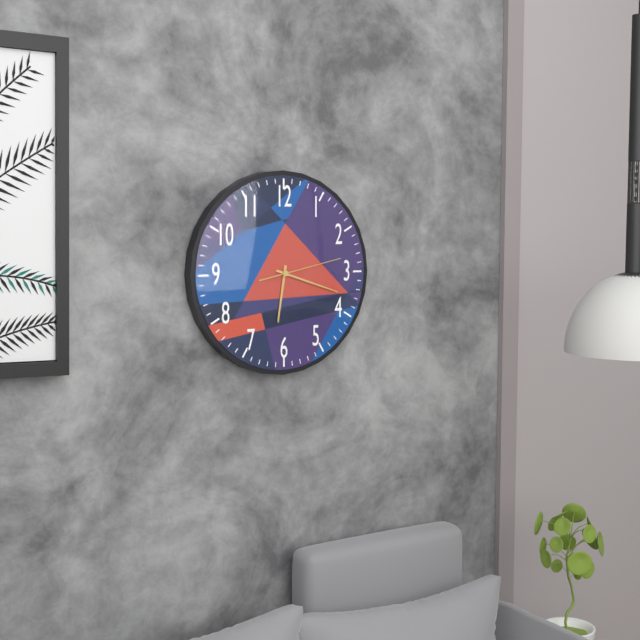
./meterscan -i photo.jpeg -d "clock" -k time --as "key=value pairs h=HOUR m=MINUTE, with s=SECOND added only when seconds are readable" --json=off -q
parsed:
h=6 m=18 s=13
